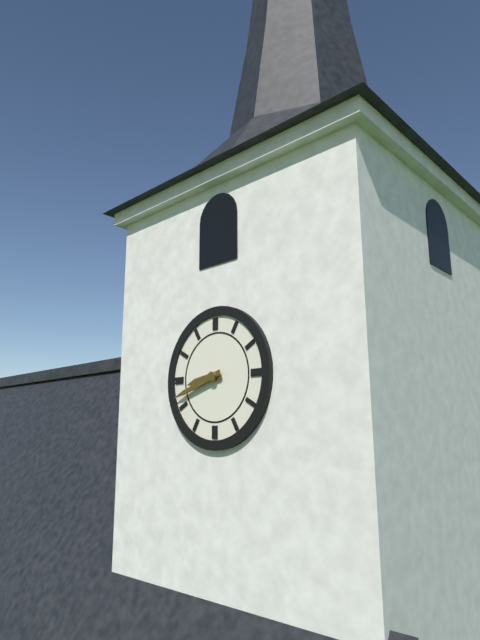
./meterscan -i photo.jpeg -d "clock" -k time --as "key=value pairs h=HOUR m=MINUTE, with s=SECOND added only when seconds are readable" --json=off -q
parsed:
h=8 m=42
